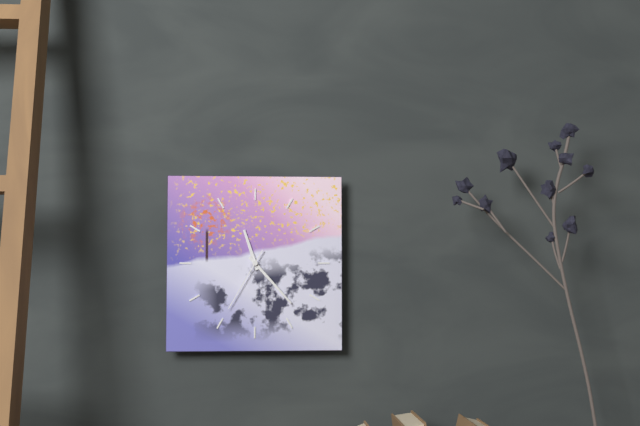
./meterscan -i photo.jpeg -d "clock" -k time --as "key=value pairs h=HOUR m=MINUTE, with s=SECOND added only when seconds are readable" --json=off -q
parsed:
h=11 m=23 s=35
